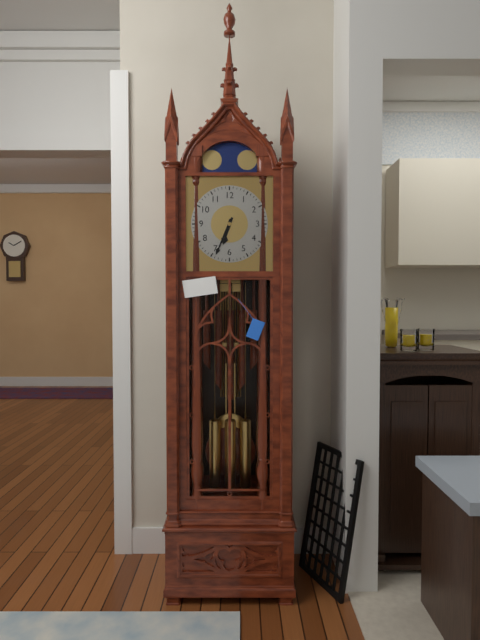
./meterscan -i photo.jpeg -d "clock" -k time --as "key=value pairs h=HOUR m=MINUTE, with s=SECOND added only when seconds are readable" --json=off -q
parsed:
h=6 m=34
